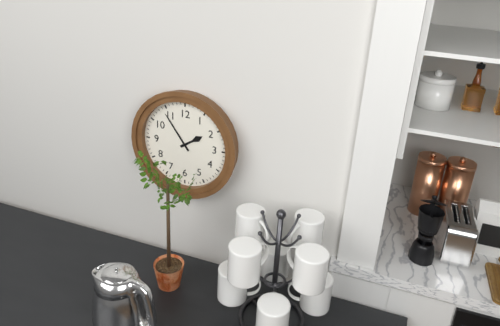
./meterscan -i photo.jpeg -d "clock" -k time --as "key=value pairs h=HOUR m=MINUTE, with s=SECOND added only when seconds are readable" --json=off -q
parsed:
h=1 m=54
